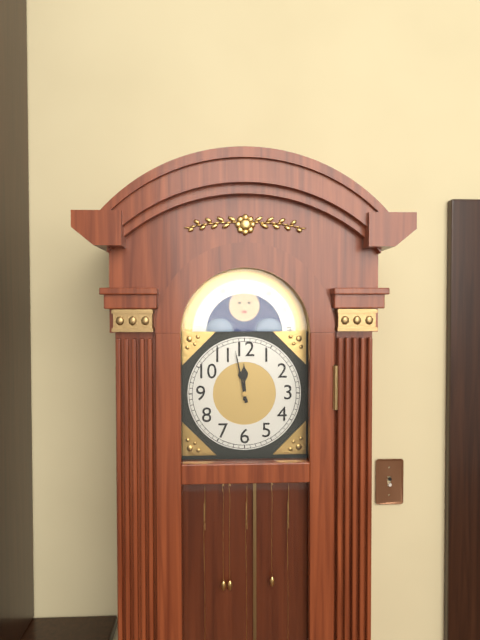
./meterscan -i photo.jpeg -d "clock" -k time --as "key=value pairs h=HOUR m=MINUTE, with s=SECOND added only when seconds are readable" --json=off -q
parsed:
h=11 m=58
